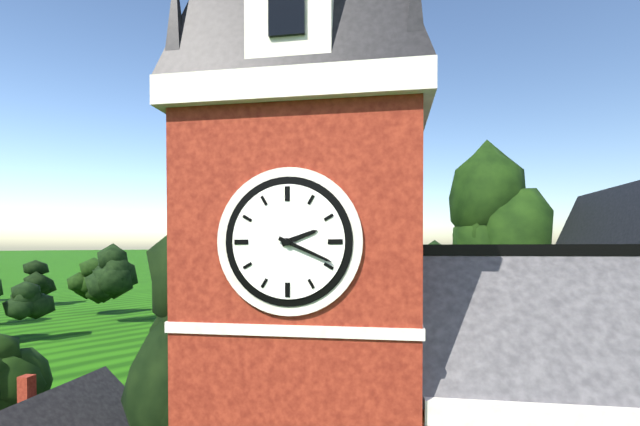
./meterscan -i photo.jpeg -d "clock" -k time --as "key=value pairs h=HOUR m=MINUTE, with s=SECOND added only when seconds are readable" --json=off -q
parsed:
h=2 m=19
